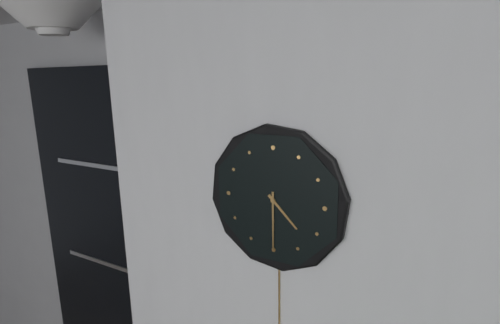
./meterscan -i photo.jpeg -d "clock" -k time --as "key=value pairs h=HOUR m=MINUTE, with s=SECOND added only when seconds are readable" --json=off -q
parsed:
h=4 m=30
